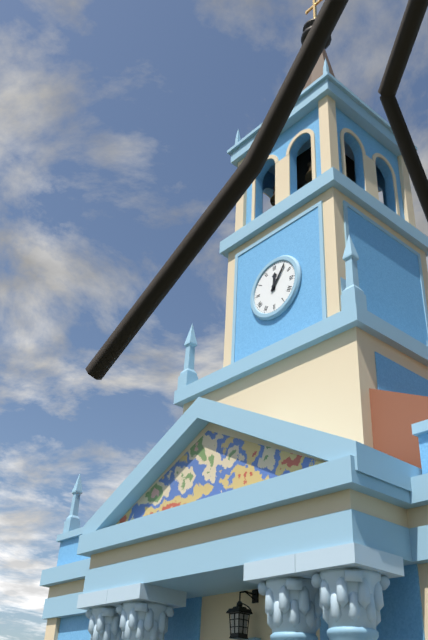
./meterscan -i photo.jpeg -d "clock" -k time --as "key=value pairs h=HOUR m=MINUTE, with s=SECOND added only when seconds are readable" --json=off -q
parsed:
h=12 m=6
